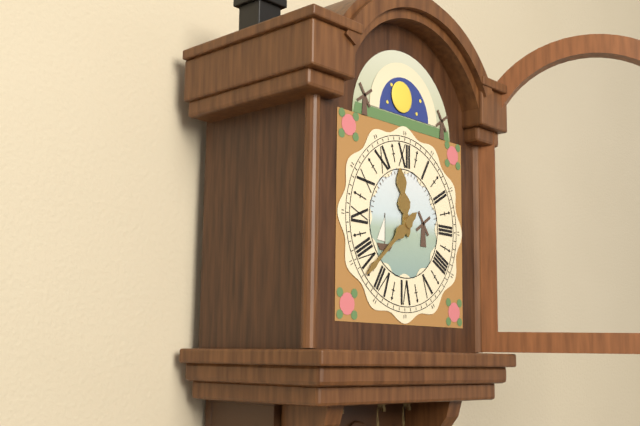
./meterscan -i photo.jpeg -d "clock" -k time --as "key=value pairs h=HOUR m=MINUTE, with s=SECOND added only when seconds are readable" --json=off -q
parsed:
h=11 m=38
